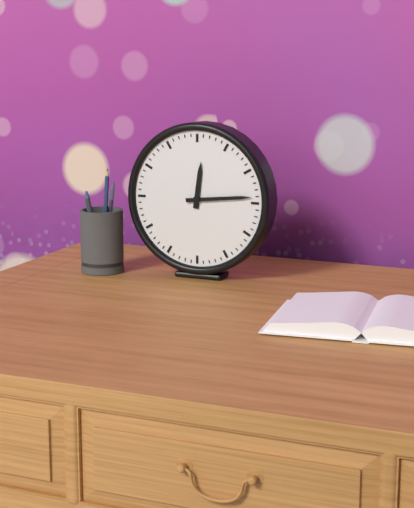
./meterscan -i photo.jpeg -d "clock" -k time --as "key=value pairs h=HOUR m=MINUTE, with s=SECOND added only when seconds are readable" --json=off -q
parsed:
h=12 m=14
